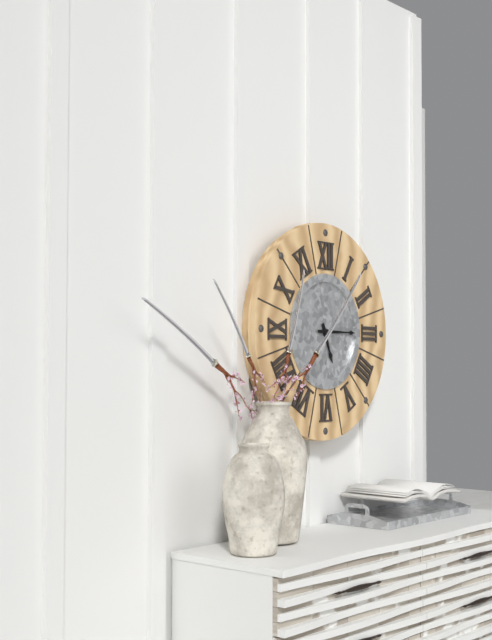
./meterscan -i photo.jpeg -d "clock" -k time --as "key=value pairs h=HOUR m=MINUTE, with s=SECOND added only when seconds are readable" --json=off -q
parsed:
h=5 m=15
